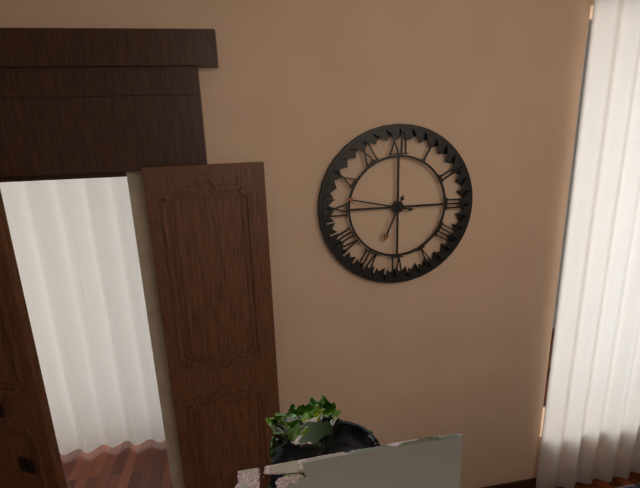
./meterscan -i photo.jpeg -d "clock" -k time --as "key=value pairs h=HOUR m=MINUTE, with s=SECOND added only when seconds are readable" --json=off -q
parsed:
h=6 m=47
